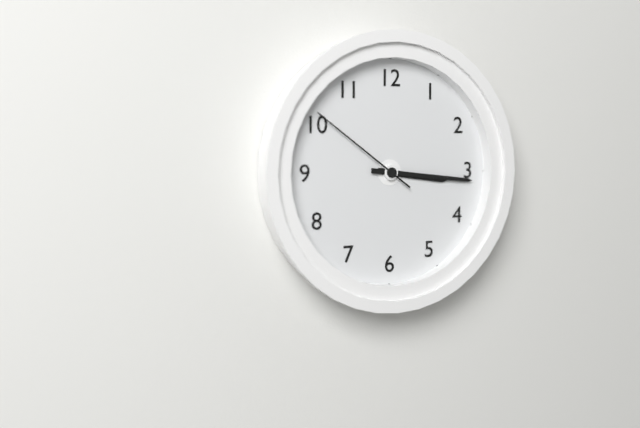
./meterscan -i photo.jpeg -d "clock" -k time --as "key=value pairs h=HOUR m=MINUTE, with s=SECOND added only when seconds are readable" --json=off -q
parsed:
h=3 m=16 s=51
